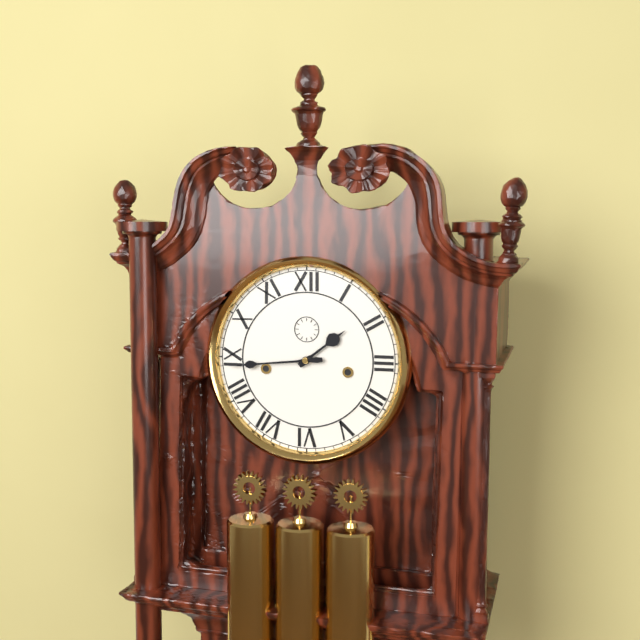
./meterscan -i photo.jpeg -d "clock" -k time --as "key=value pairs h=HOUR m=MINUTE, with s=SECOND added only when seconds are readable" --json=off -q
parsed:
h=1 m=44
